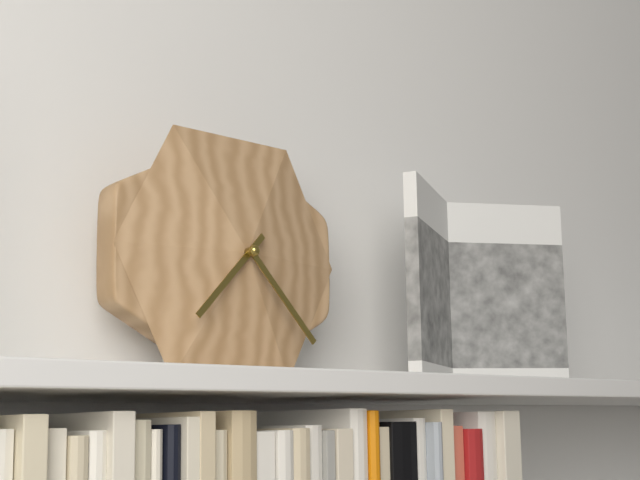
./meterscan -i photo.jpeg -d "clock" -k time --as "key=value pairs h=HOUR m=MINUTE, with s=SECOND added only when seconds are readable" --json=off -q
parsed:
h=7 m=23
